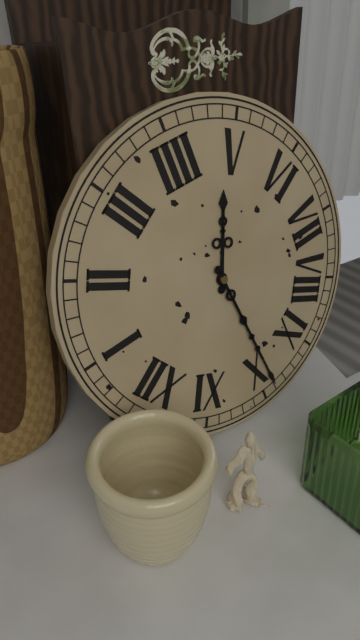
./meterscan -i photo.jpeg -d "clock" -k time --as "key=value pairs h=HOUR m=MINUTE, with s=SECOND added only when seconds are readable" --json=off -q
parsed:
h=4 m=49
